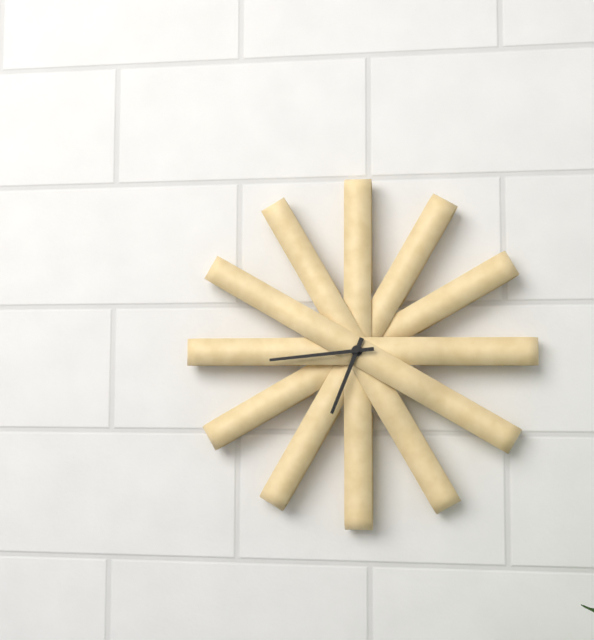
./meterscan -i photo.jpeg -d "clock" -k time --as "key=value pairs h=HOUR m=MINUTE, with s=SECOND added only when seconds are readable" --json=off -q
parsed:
h=6 m=44
